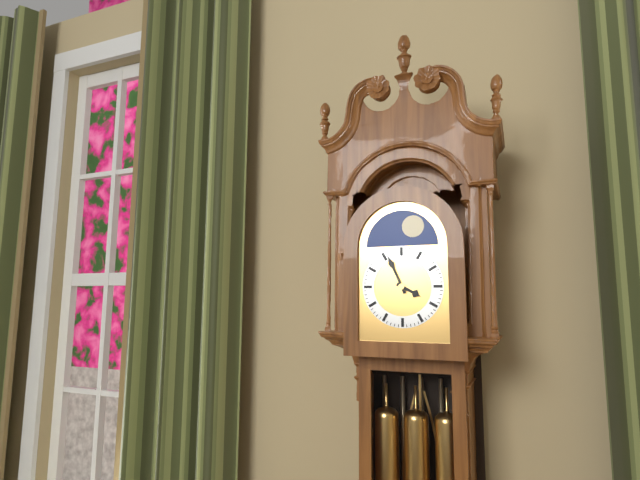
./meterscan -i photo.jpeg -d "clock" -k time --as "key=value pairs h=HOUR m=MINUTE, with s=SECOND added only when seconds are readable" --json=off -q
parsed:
h=3 m=56
